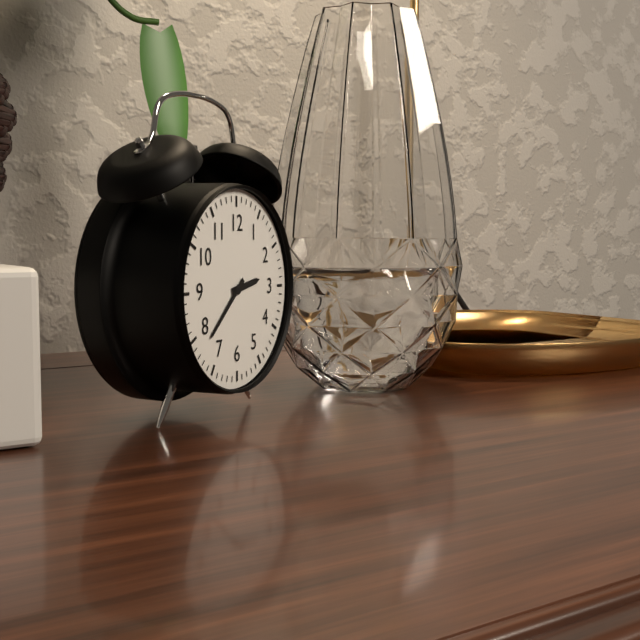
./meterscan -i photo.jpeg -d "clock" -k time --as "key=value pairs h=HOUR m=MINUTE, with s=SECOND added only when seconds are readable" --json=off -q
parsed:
h=2 m=38
